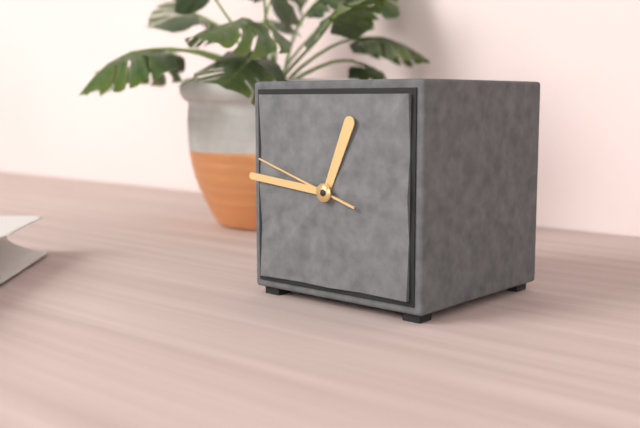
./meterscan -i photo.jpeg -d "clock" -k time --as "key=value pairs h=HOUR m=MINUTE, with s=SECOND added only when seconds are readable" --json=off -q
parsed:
h=12 m=46 s=48
